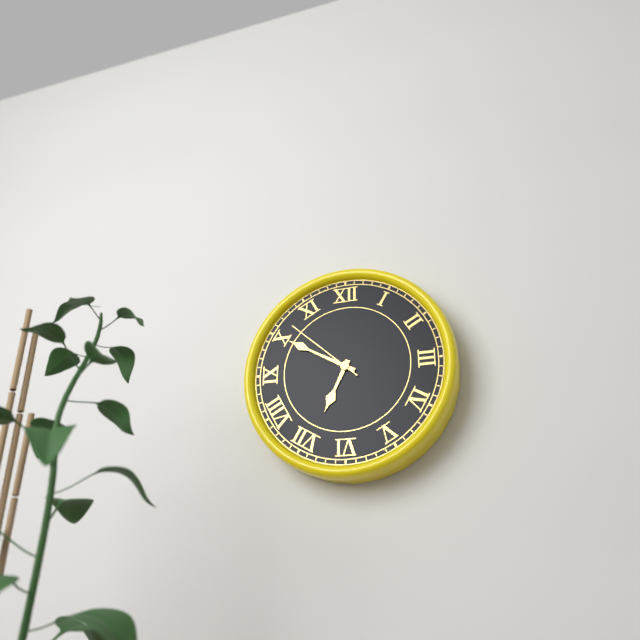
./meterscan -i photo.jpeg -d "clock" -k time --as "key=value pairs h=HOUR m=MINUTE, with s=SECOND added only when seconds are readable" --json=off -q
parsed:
h=6 m=50 s=52
